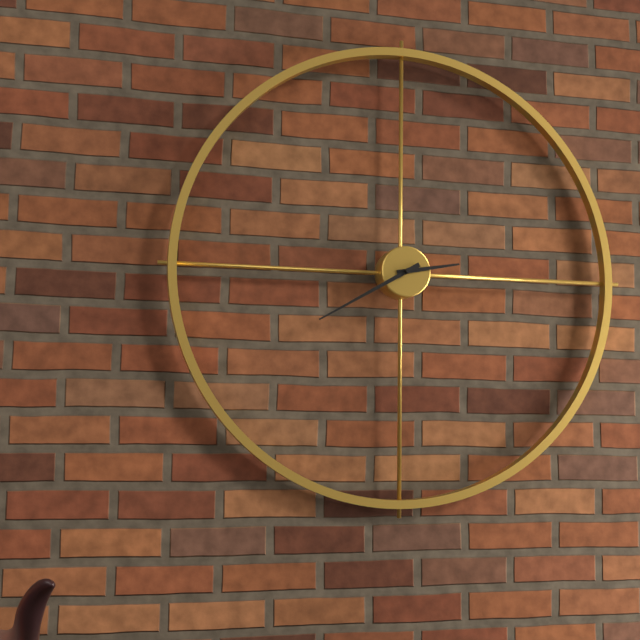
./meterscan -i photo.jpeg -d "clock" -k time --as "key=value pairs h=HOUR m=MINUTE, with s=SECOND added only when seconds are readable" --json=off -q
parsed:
h=2 m=40
